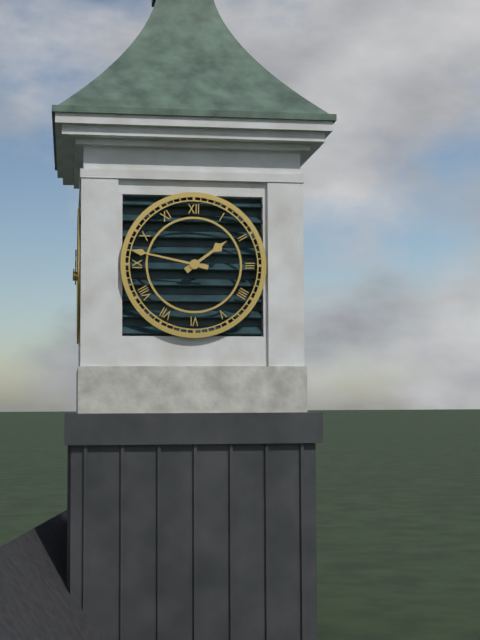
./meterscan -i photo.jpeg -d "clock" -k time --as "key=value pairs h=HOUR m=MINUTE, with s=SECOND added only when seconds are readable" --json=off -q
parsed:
h=1 m=47
